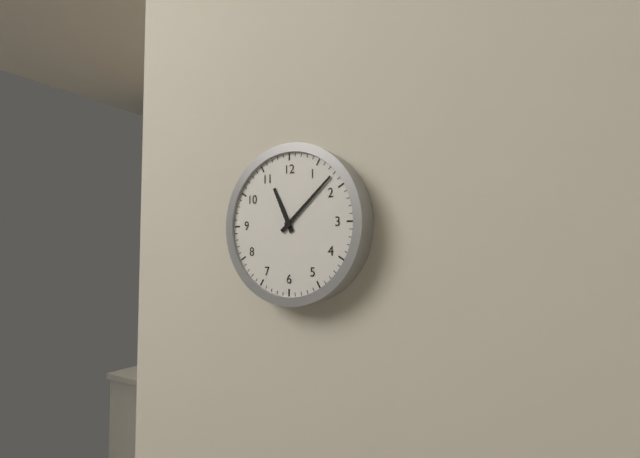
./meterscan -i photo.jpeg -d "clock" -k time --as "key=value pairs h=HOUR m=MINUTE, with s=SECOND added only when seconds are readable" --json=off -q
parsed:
h=11 m=8
